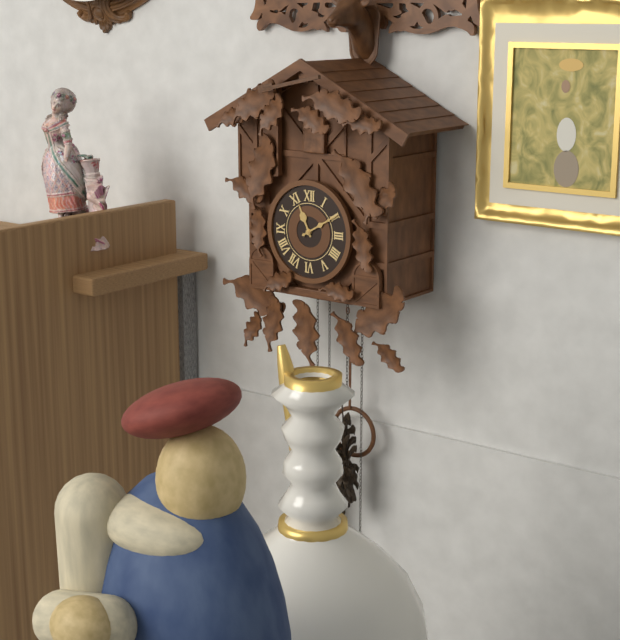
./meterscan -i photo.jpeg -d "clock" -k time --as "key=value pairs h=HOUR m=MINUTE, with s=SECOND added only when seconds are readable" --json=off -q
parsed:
h=11 m=10
